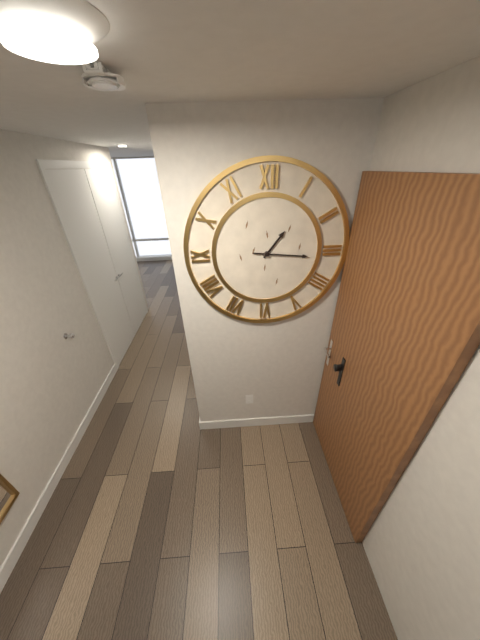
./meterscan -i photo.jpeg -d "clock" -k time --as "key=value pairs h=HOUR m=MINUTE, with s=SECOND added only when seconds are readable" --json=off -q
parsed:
h=1 m=16
